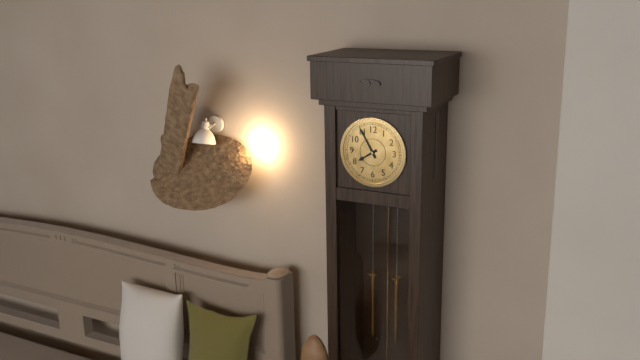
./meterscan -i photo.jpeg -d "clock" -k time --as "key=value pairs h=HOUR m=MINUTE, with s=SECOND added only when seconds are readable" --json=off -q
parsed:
h=7 m=55
